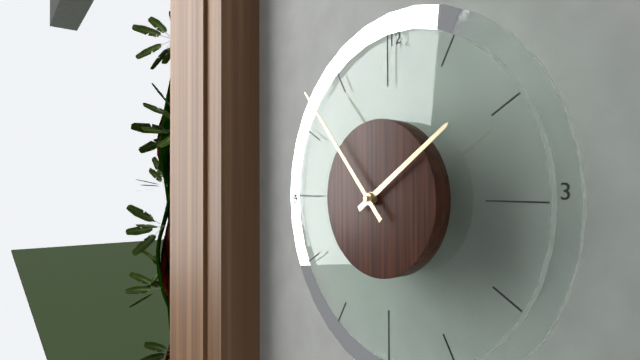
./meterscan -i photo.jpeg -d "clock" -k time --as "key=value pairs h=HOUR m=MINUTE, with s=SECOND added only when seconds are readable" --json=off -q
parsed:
h=1 m=53
